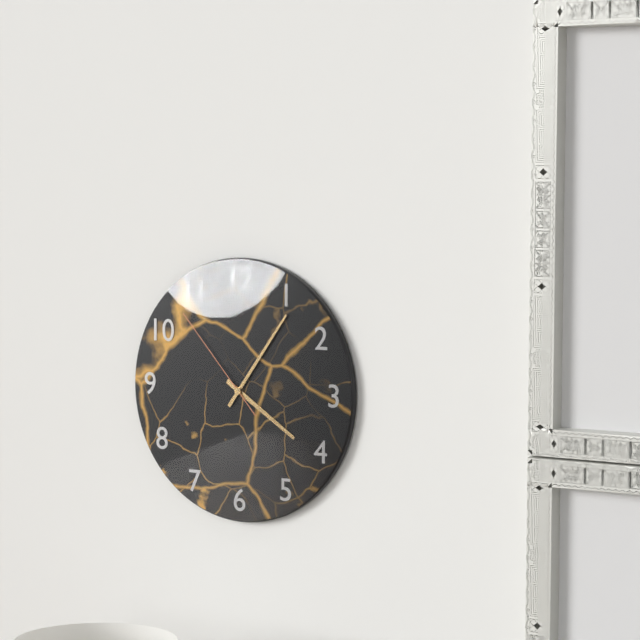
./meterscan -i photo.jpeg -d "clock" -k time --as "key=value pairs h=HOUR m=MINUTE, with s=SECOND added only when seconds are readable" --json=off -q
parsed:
h=4 m=6 s=53
